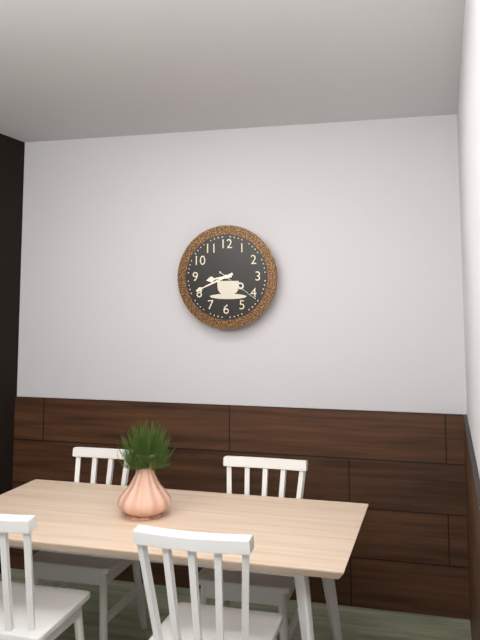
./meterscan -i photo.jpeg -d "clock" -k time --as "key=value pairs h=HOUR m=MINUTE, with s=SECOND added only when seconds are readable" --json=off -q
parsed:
h=8 m=41
